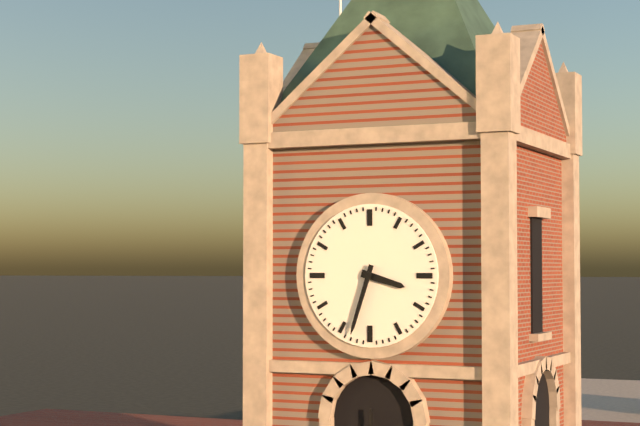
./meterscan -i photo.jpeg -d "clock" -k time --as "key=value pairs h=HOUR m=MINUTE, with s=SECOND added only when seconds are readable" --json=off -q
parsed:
h=3 m=33
